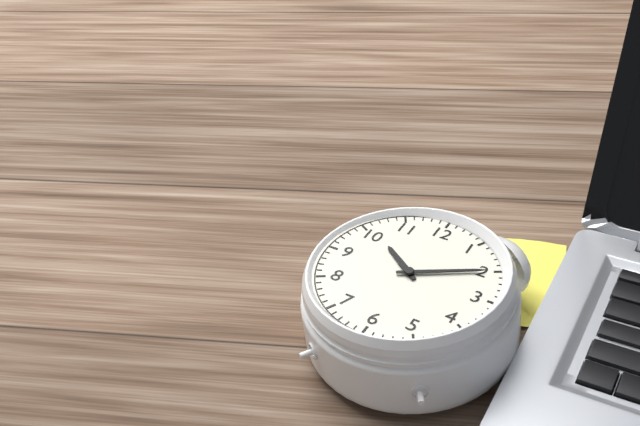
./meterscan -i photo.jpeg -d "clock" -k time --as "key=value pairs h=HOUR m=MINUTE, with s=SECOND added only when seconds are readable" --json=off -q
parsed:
h=10 m=10
